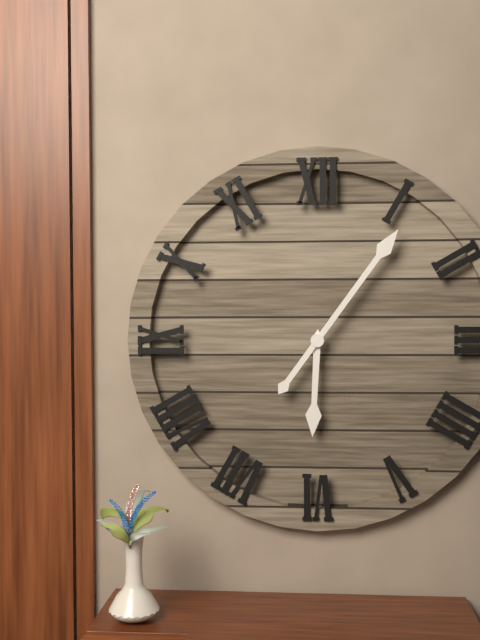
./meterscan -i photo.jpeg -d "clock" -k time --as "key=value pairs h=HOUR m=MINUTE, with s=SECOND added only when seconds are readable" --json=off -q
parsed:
h=6 m=6
